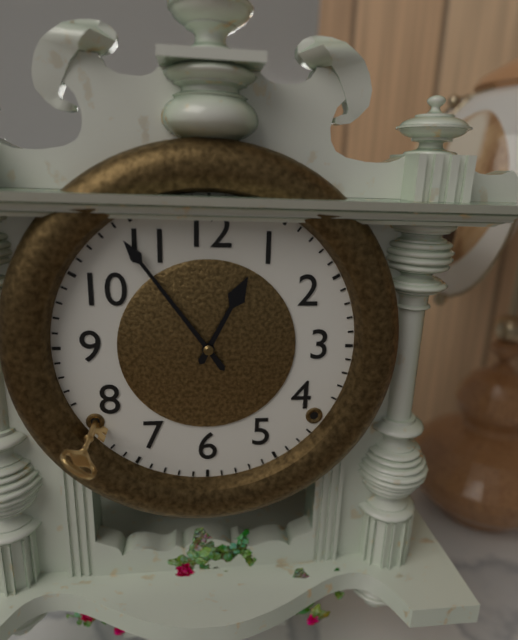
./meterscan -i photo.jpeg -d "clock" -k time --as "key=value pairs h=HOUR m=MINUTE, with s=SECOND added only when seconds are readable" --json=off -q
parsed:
h=12 m=54
